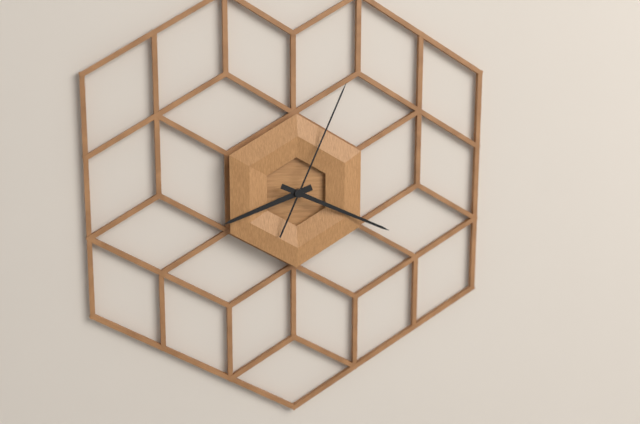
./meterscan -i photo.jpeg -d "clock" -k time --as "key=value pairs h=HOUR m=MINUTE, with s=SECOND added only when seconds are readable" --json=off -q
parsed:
h=8 m=19 s=4
